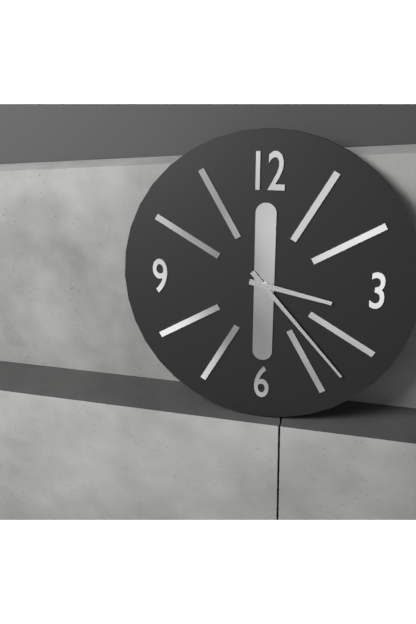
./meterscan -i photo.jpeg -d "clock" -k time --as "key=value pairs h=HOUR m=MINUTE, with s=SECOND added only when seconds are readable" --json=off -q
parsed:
h=3 m=23
